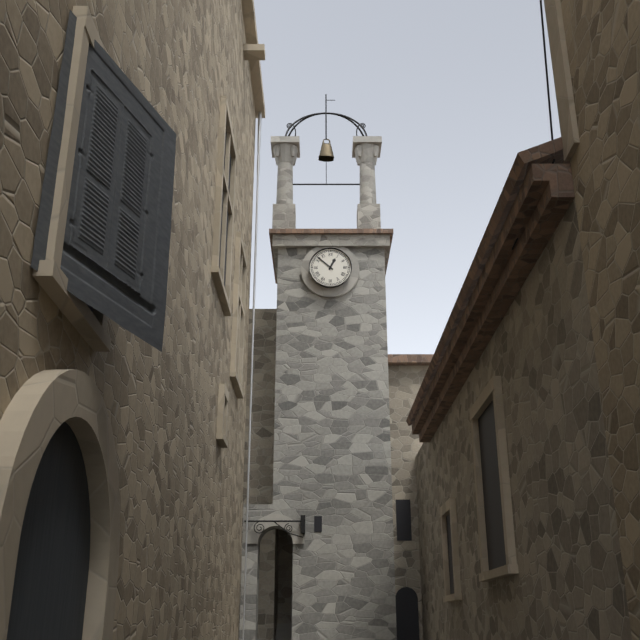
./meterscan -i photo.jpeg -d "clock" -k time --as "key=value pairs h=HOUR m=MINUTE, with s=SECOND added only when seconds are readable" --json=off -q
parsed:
h=12 m=52
